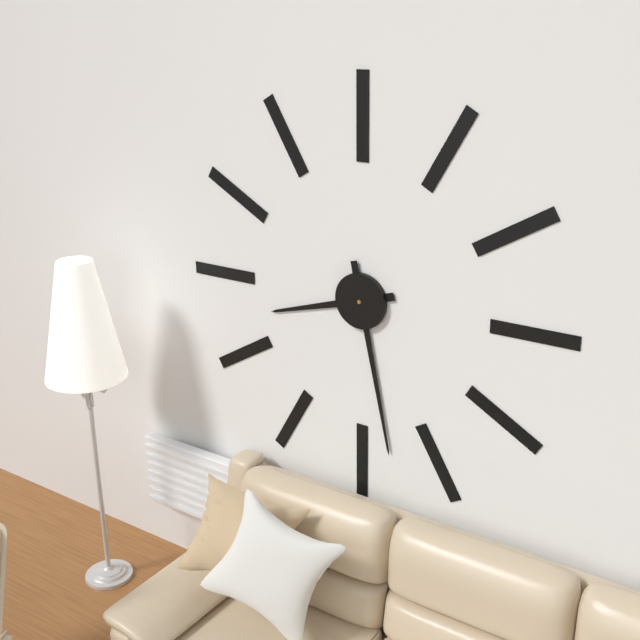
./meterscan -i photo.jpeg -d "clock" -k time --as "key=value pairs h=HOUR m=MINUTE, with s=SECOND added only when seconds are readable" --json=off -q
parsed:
h=8 m=28
